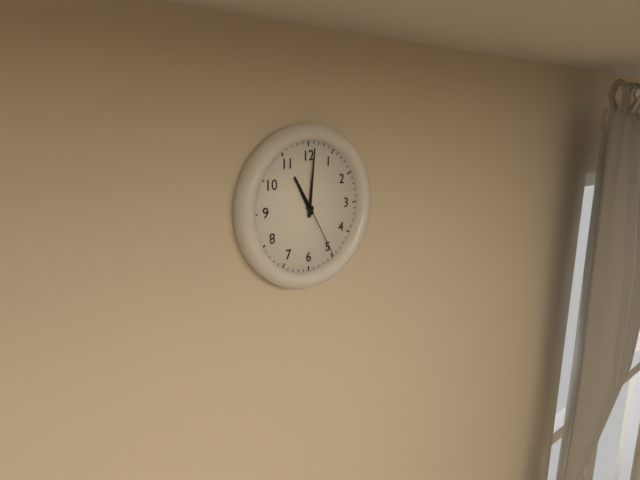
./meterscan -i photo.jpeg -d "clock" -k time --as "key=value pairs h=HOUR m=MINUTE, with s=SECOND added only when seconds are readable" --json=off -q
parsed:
h=11 m=1 s=25
